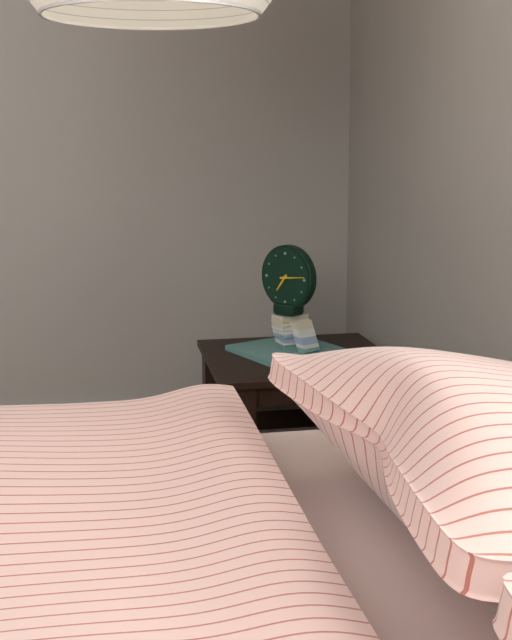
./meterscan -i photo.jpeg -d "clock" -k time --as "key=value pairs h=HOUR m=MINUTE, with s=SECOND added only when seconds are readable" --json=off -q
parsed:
h=7 m=14
